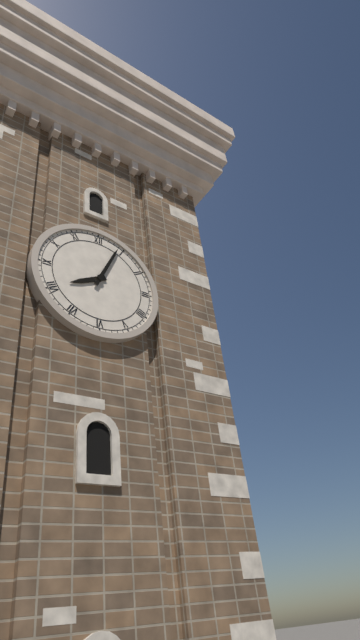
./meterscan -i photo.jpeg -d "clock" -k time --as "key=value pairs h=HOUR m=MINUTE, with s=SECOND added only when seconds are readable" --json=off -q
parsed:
h=8 m=4
